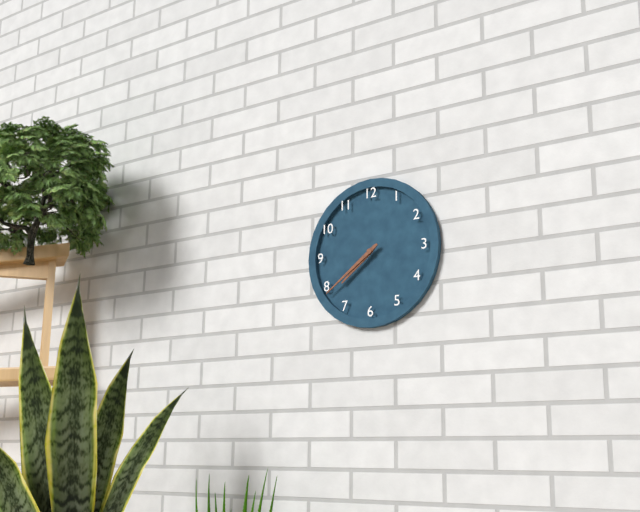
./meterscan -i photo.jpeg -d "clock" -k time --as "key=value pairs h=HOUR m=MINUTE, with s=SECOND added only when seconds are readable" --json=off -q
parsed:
h=7 m=39
